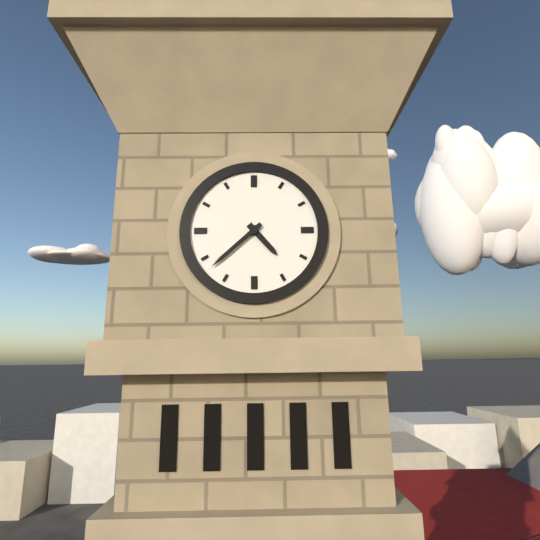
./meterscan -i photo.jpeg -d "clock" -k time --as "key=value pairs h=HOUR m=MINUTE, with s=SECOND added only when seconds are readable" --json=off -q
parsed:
h=4 m=38
